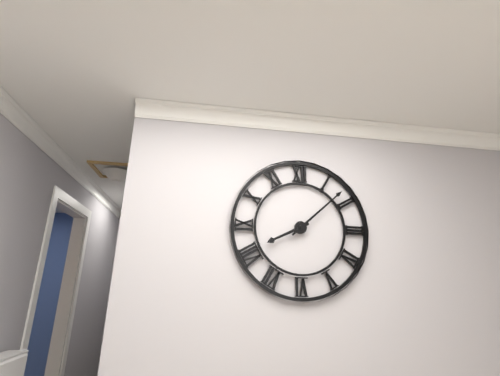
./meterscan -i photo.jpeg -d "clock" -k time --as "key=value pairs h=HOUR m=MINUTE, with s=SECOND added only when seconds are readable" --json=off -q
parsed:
h=8 m=8
